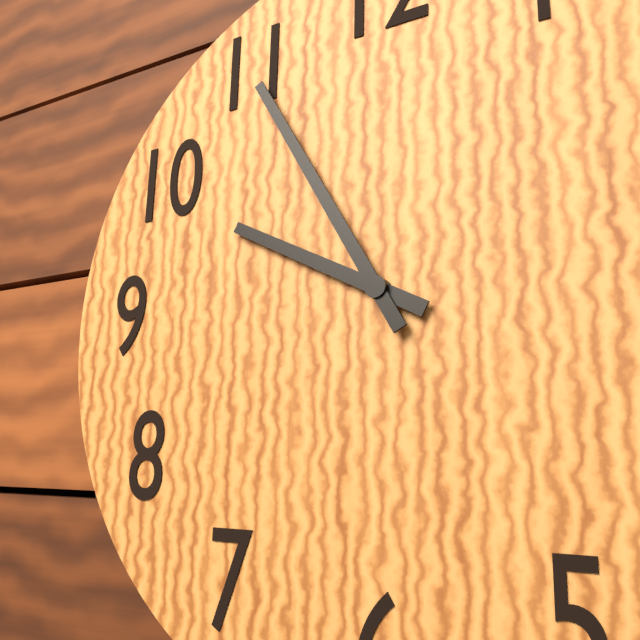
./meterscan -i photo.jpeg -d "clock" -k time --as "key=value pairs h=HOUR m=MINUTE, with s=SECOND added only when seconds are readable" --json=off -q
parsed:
h=9 m=55
